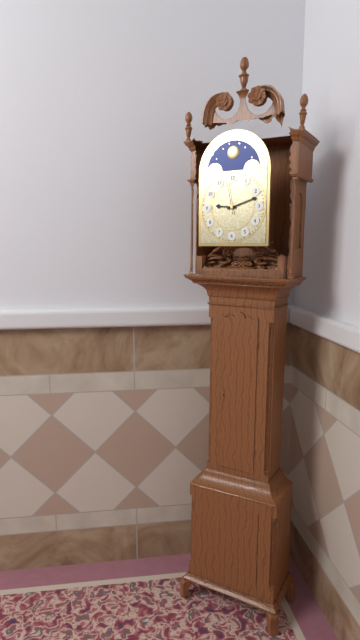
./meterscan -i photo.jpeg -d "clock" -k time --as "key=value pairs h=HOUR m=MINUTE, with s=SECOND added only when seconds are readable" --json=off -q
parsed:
h=9 m=12
